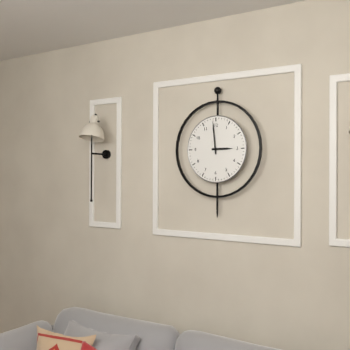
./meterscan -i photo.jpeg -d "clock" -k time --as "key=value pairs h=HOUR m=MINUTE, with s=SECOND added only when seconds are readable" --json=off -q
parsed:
h=2 m=59
